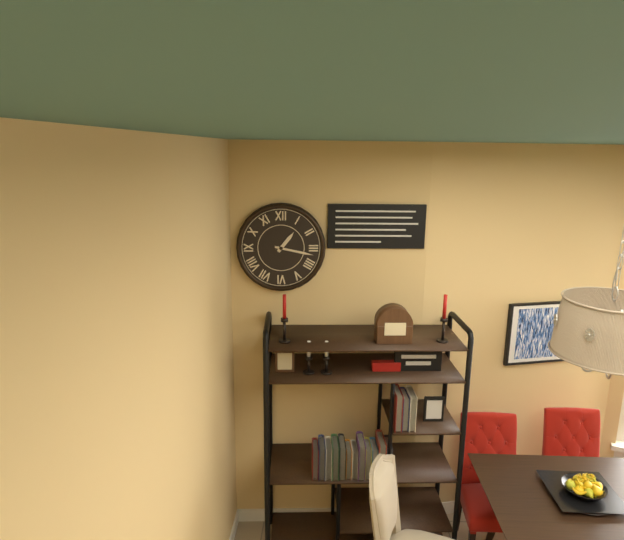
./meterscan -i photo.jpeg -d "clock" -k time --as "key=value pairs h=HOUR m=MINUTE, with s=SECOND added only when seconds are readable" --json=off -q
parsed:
h=1 m=17
